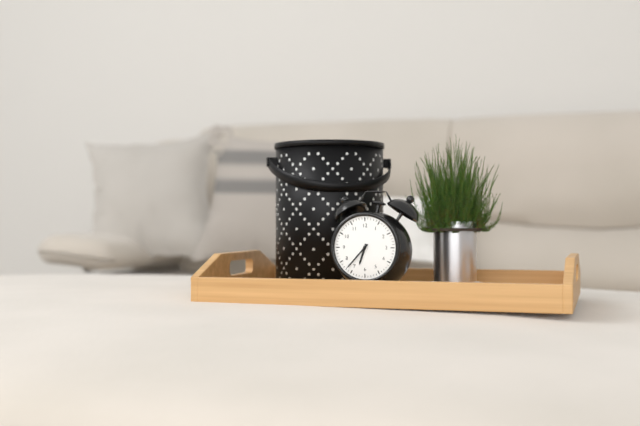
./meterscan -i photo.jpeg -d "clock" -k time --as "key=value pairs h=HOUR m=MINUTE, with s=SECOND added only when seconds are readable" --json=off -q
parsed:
h=6 m=37
